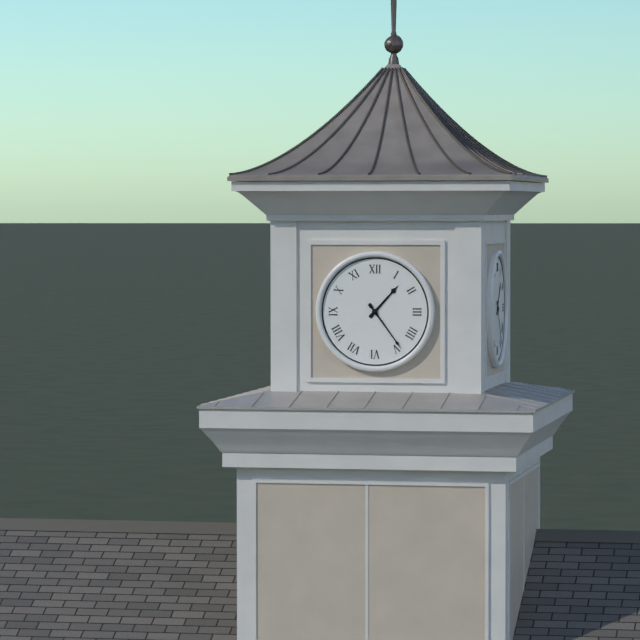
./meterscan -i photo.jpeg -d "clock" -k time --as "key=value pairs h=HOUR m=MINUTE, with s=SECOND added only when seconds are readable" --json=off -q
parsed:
h=1 m=24
